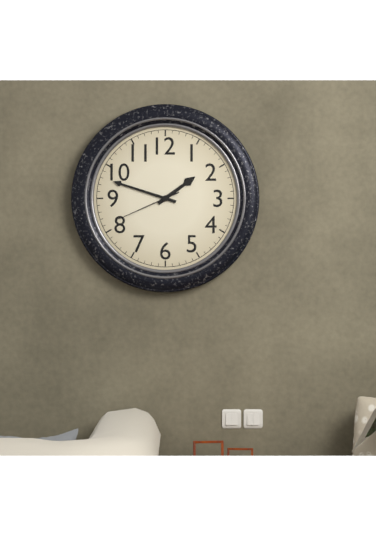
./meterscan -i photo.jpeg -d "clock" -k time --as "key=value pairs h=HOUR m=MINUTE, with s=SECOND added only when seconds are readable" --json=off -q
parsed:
h=1 m=48 s=41
